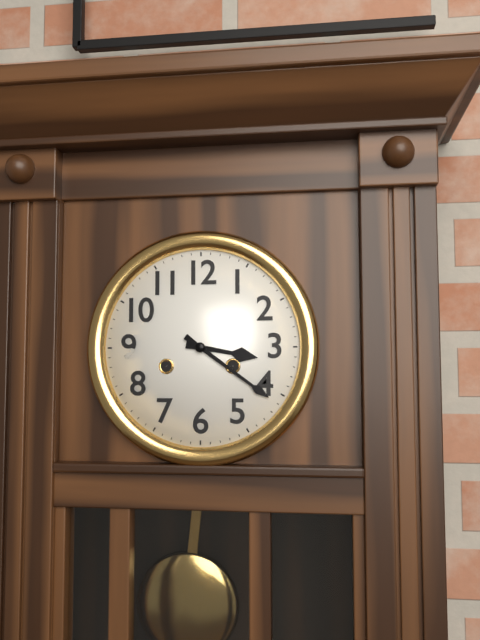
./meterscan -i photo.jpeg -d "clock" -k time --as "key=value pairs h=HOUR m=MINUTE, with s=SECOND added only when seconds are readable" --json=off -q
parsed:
h=3 m=21
